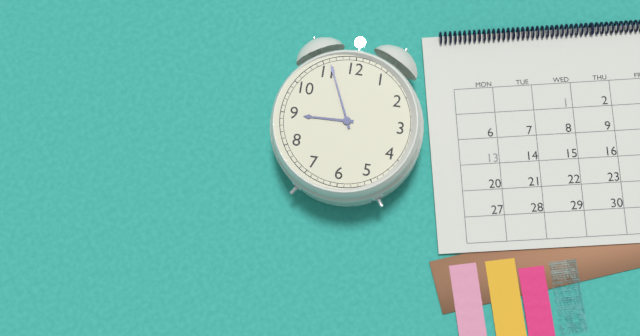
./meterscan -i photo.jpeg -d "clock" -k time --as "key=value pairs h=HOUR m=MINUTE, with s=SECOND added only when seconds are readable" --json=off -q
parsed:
h=8 m=56
